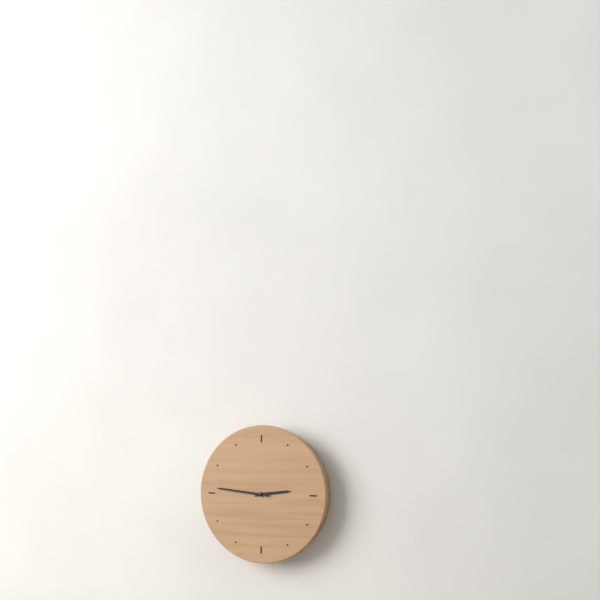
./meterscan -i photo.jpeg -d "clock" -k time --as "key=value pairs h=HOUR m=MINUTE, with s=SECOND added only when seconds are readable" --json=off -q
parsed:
h=2 m=46
